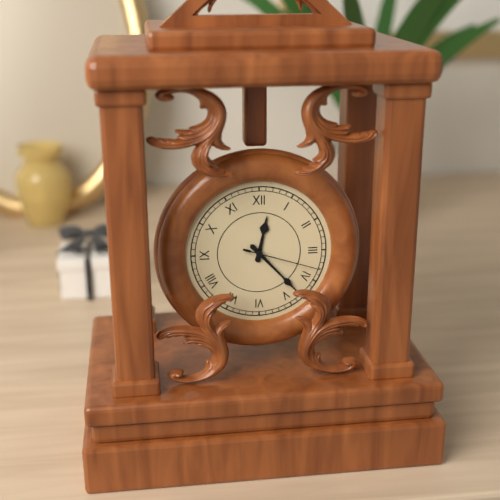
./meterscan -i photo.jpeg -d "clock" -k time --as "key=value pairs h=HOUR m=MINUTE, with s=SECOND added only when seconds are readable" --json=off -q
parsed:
h=12 m=23 s=18
